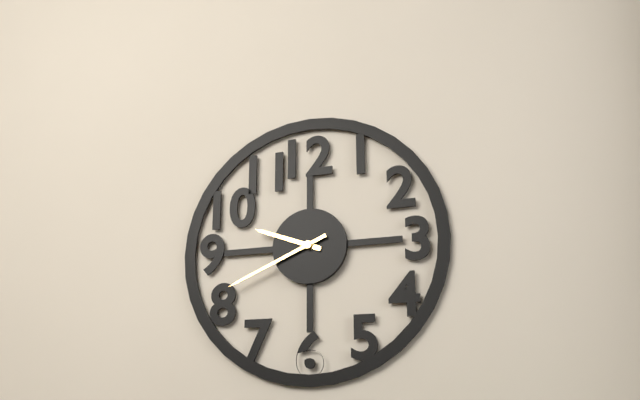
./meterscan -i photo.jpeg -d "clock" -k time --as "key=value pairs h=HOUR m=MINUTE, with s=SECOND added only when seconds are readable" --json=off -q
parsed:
h=9 m=41
